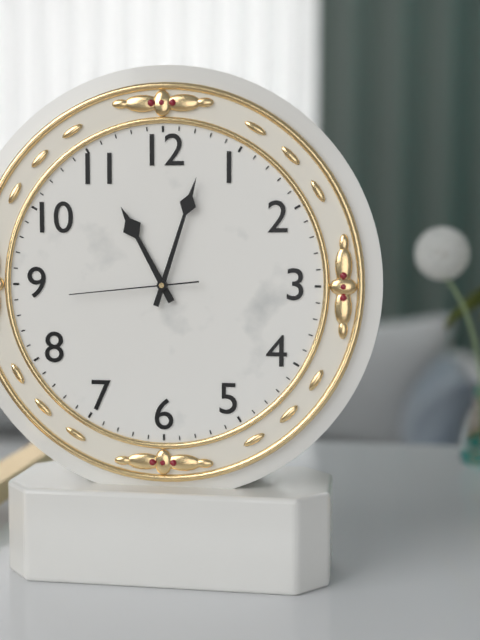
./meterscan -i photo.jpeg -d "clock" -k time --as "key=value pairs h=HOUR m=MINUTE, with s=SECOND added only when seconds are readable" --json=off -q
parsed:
h=11 m=3 s=44
